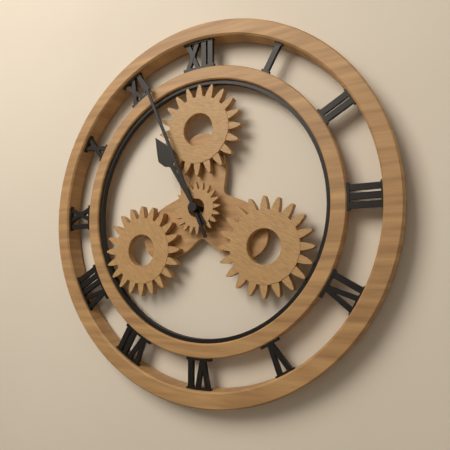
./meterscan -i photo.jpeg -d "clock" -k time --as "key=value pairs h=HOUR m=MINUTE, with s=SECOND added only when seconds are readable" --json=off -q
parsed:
h=10 m=56
